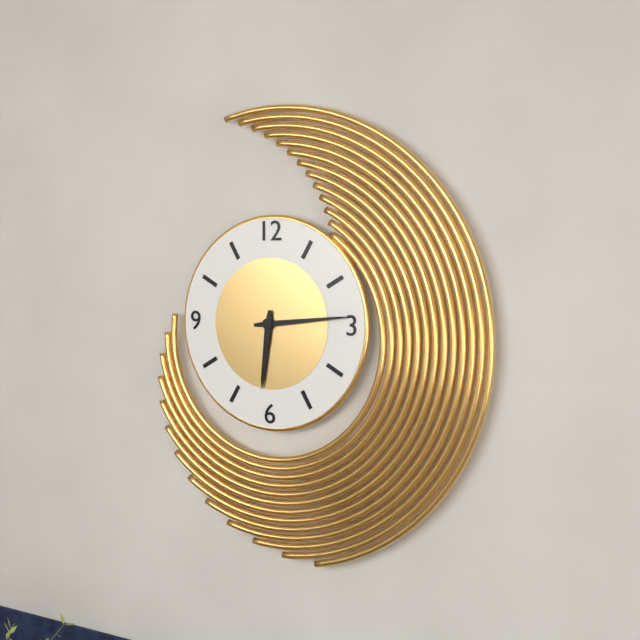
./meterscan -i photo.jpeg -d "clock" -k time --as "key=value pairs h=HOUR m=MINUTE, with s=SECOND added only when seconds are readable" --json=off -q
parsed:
h=6 m=14
